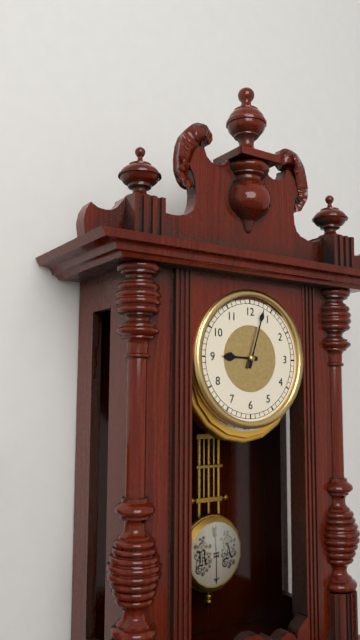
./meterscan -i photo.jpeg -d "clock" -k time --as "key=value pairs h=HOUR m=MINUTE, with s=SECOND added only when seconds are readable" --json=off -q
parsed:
h=9 m=3
